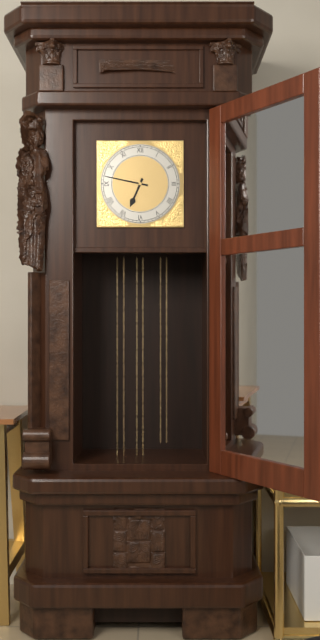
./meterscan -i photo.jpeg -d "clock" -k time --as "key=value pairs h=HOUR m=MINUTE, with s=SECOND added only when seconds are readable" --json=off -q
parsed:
h=6 m=47
